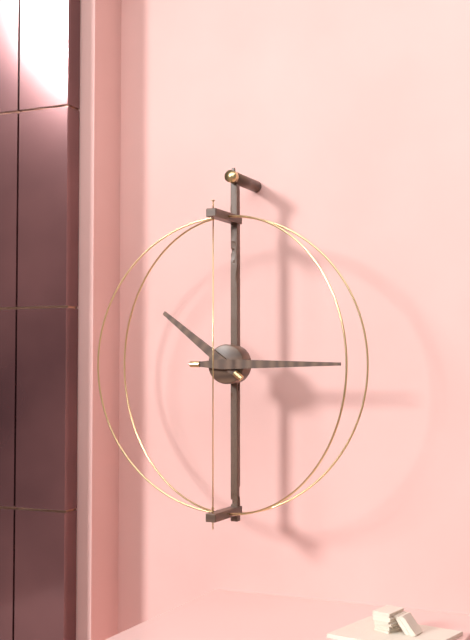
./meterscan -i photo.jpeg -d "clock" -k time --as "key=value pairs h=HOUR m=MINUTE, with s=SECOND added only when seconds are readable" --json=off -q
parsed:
h=10 m=15
